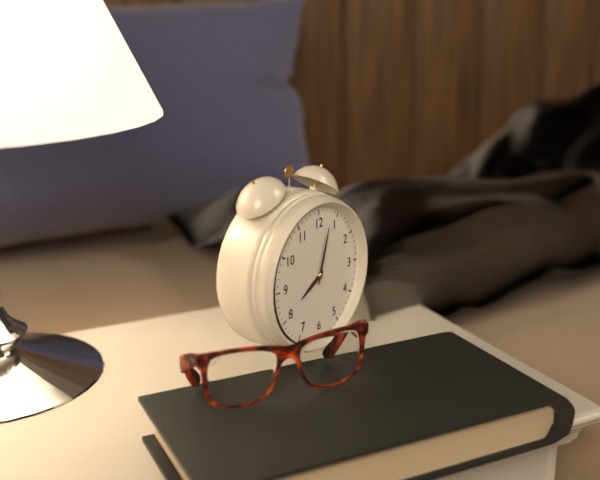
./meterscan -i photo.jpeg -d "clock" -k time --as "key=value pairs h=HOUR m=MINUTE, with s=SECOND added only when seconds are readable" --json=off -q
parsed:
h=8 m=3
